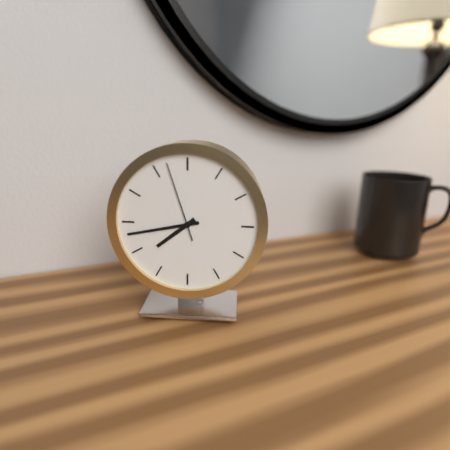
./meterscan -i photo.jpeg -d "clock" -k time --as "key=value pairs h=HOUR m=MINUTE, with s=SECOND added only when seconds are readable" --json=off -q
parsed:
h=7 m=43 s=57
